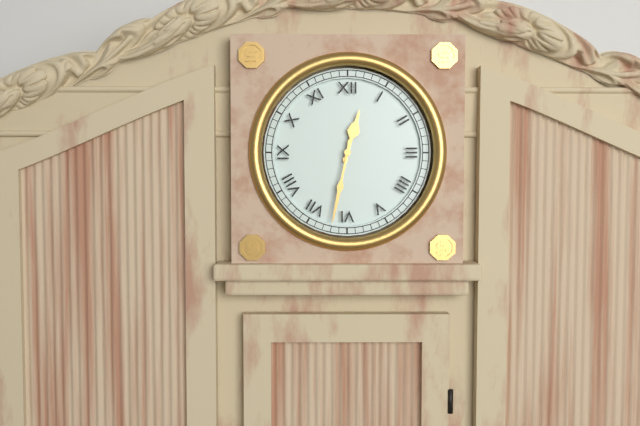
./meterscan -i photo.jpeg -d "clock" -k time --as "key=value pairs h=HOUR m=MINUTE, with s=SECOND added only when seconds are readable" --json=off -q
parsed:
h=12 m=32
